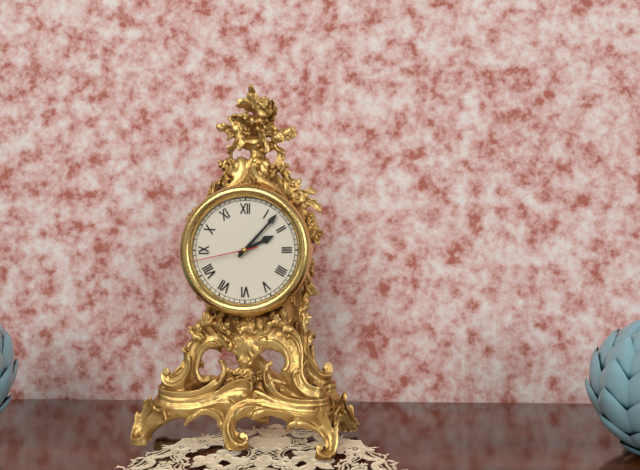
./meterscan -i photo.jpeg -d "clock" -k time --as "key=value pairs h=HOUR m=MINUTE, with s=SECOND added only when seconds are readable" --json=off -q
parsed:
h=2 m=7 s=43
